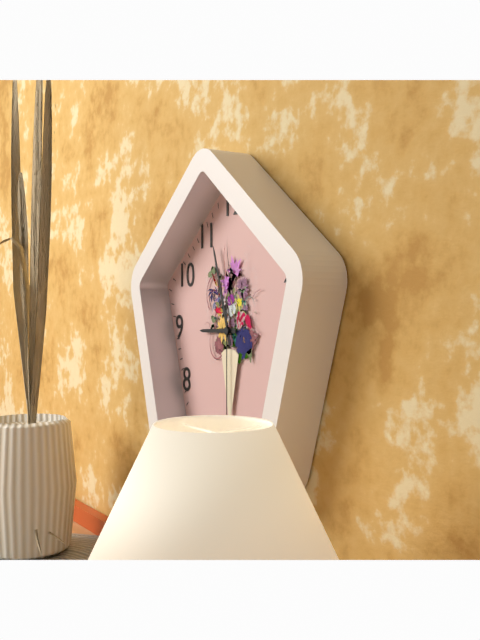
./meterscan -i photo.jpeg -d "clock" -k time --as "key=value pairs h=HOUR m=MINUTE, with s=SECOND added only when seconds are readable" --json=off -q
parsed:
h=8 m=57 s=30
